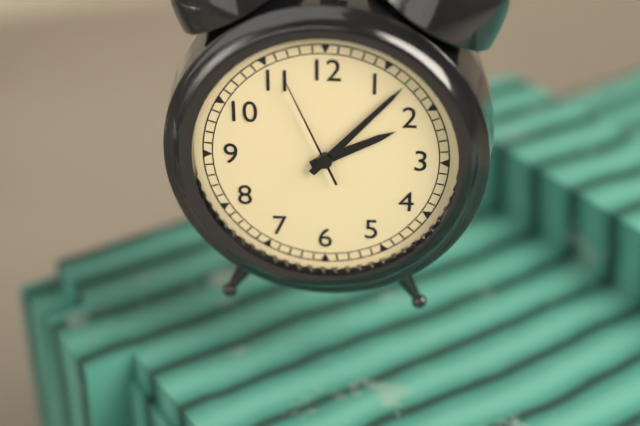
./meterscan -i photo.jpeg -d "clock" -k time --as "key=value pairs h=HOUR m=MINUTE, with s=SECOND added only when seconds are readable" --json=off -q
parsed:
h=2 m=7 s=56
